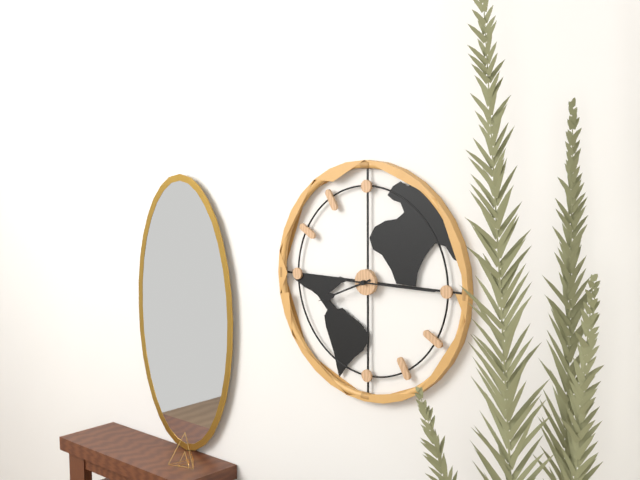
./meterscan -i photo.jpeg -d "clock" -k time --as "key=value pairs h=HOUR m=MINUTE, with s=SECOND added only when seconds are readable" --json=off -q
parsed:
h=8 m=15
